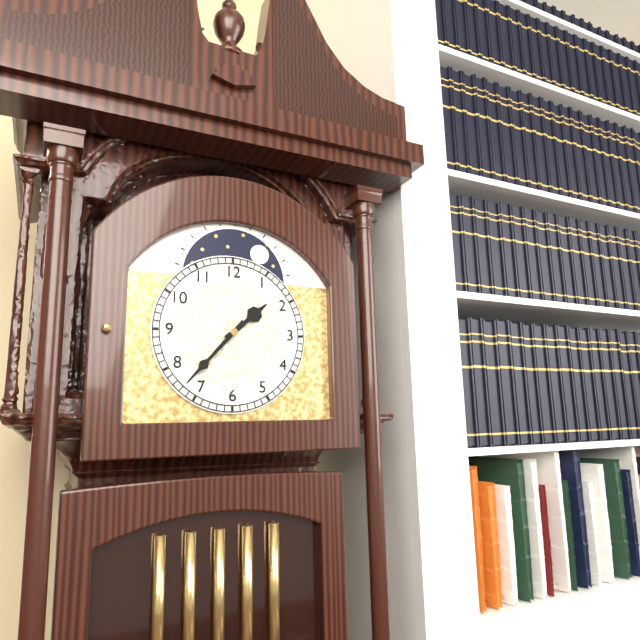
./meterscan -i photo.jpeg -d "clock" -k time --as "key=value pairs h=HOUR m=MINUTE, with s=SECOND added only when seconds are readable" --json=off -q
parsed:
h=1 m=37
